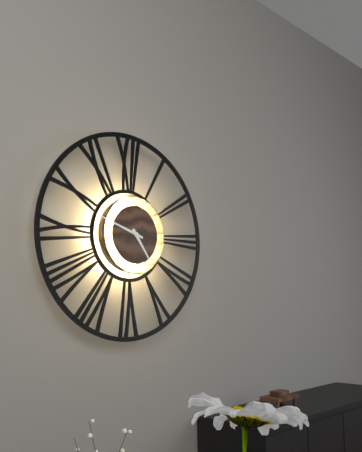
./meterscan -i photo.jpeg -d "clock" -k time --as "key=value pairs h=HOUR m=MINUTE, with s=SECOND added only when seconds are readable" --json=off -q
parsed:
h=4 m=48
